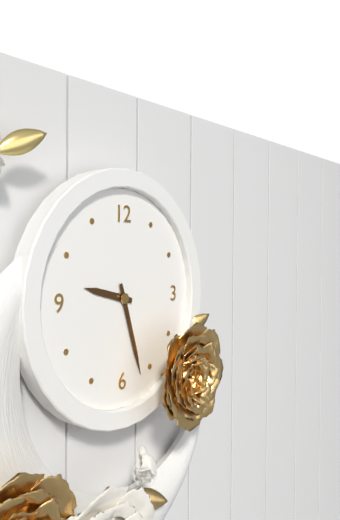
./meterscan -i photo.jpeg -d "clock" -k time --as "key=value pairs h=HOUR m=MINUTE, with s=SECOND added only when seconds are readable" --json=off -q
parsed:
h=9 m=27
